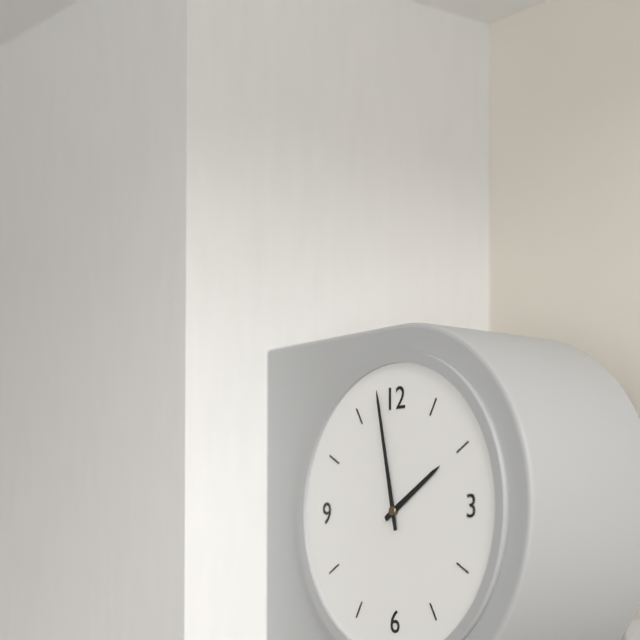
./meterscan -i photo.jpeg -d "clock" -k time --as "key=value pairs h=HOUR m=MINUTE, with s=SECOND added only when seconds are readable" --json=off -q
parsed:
h=1 m=58
